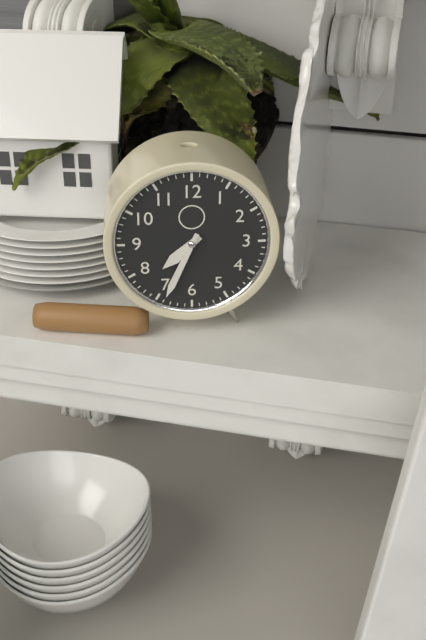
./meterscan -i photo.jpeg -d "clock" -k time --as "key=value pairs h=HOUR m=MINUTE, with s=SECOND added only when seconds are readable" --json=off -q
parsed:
h=7 m=34
